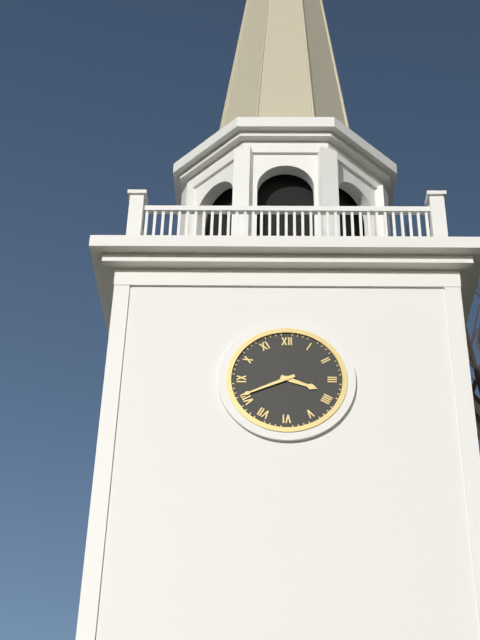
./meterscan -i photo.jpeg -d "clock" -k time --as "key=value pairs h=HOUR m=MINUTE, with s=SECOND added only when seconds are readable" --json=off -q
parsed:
h=3 m=41
